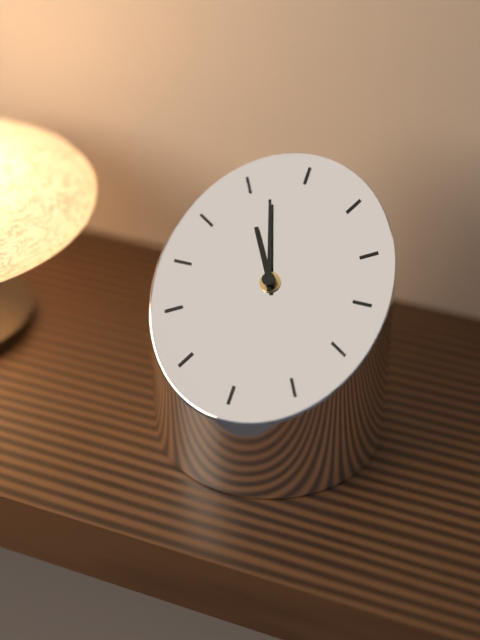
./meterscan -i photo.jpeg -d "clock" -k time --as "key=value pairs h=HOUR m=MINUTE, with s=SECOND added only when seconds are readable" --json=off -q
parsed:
h=10 m=57
